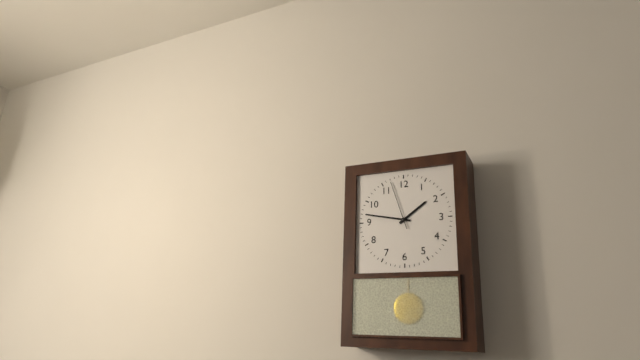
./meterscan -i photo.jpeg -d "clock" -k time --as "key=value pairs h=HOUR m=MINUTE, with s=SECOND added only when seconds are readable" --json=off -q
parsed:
h=1 m=47 s=57
